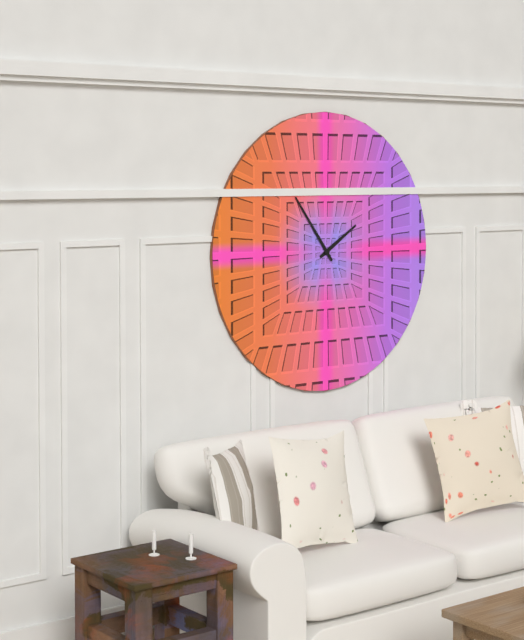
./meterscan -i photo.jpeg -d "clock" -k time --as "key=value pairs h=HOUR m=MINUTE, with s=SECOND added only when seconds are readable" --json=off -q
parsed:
h=1 m=54
